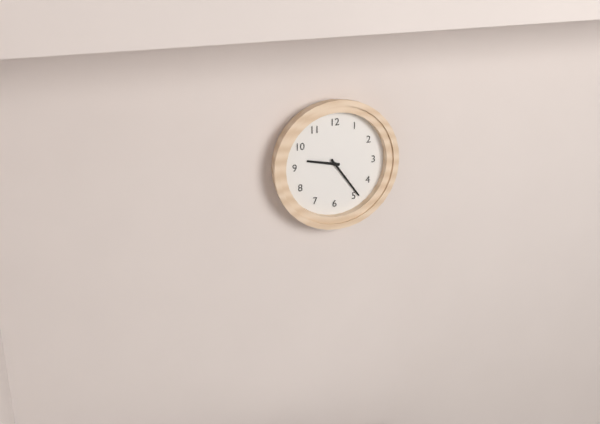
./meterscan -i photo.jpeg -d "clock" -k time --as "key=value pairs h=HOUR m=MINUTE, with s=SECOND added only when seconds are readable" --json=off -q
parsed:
h=9 m=24
